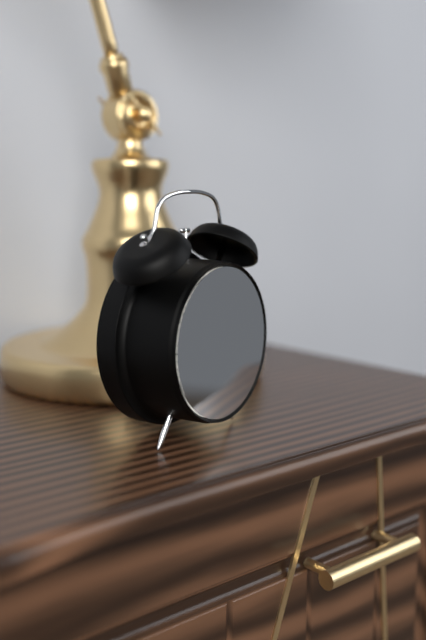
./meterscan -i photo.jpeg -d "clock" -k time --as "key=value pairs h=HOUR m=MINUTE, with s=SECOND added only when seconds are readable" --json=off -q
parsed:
h=1 m=13
